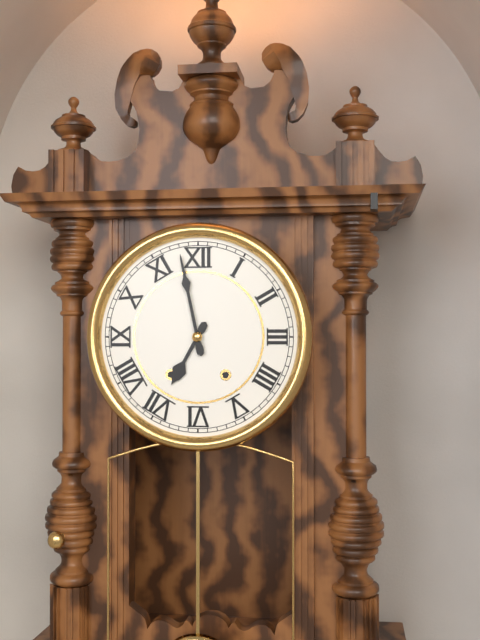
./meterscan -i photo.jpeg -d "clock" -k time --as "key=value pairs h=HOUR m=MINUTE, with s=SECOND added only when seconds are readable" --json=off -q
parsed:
h=6 m=58
